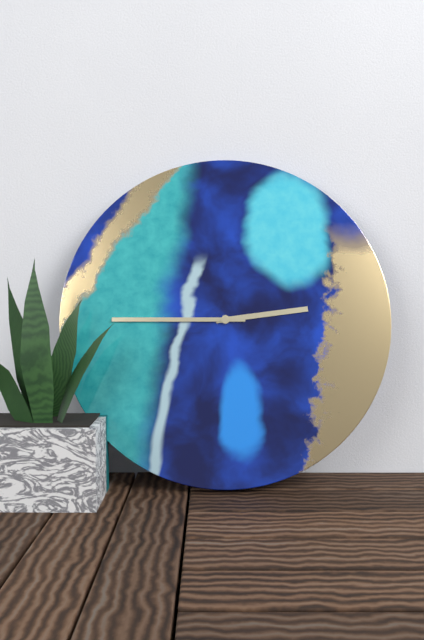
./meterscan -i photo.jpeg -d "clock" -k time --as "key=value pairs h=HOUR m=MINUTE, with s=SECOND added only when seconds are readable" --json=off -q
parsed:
h=2 m=45
